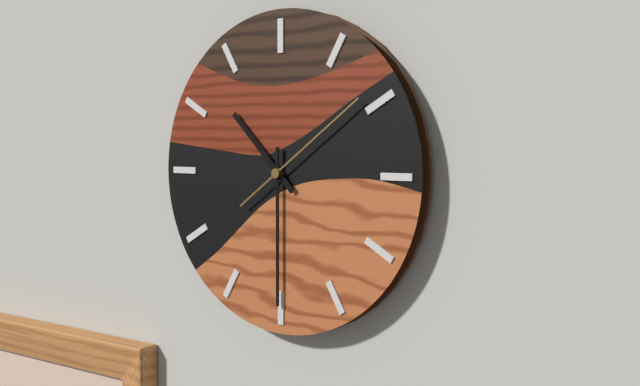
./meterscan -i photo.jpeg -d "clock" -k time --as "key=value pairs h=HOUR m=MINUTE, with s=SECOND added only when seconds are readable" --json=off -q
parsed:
h=10 m=30 s=9
